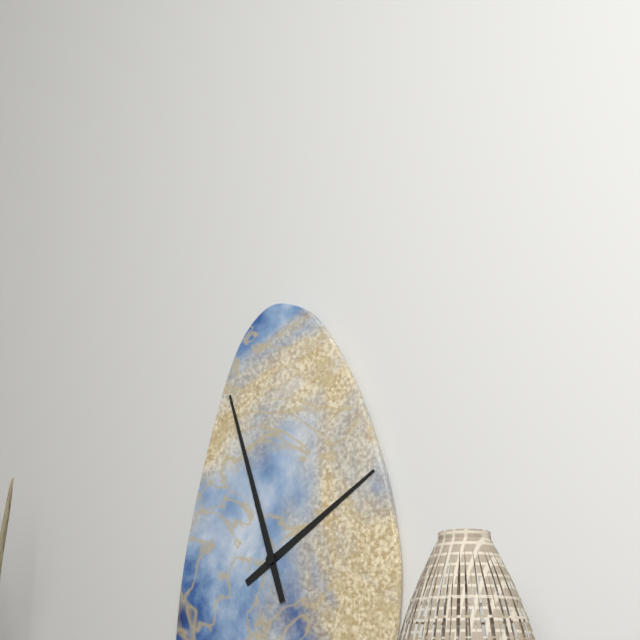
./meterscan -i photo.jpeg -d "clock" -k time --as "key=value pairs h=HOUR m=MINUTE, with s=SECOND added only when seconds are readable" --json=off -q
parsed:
h=1 m=57
